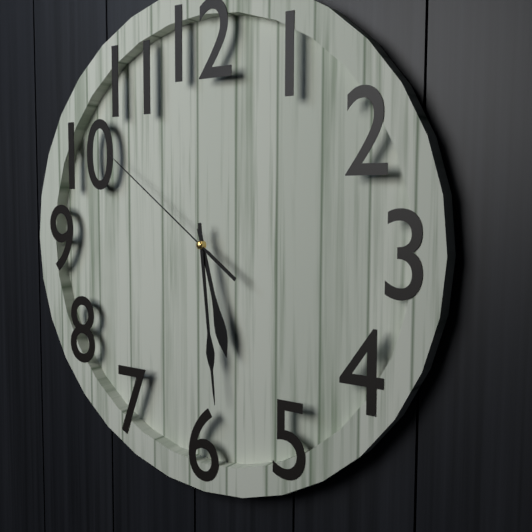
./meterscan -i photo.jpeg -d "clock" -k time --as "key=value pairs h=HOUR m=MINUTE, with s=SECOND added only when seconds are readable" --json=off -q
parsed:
h=5 m=29 s=51
